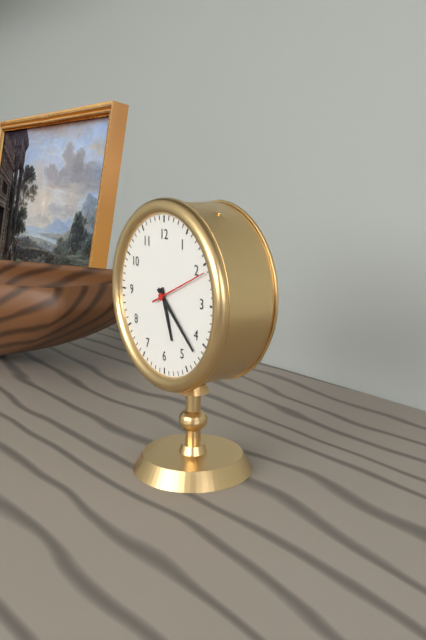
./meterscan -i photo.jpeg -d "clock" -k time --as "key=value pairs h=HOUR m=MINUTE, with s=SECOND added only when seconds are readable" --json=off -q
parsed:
h=5 m=22 s=11
